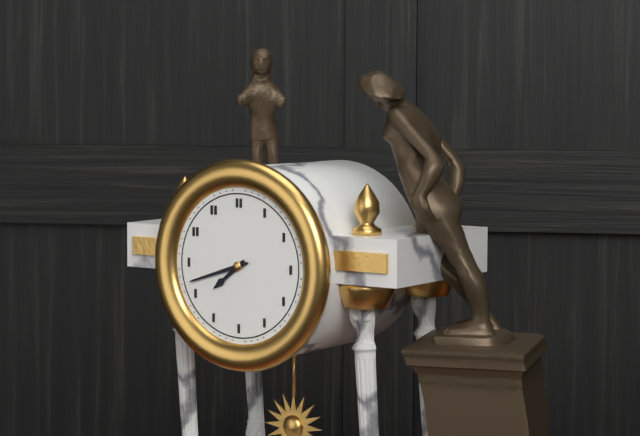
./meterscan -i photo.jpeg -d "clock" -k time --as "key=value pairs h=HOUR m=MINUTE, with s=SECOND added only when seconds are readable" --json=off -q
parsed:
h=7 m=42
